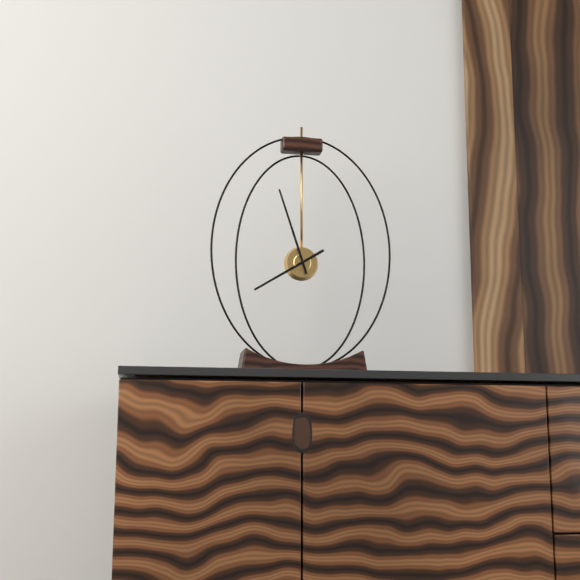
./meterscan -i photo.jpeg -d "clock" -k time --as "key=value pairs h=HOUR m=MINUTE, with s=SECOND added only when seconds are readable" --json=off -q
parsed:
h=7 m=57
